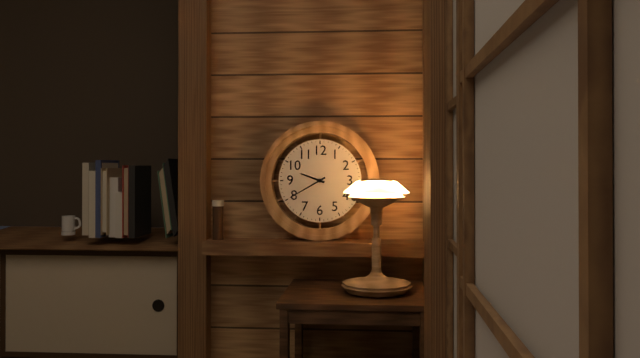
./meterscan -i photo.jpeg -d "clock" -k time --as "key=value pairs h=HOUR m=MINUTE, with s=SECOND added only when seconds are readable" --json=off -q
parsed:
h=9 m=40
